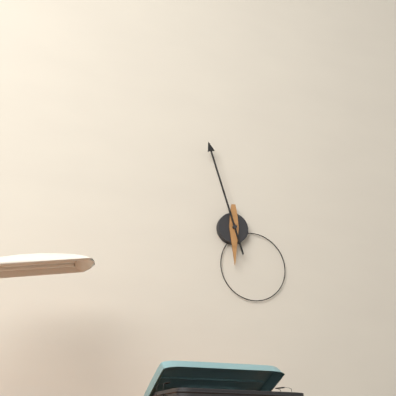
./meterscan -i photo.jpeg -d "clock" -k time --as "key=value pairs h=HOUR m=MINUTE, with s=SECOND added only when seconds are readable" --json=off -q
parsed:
h=5 m=57
